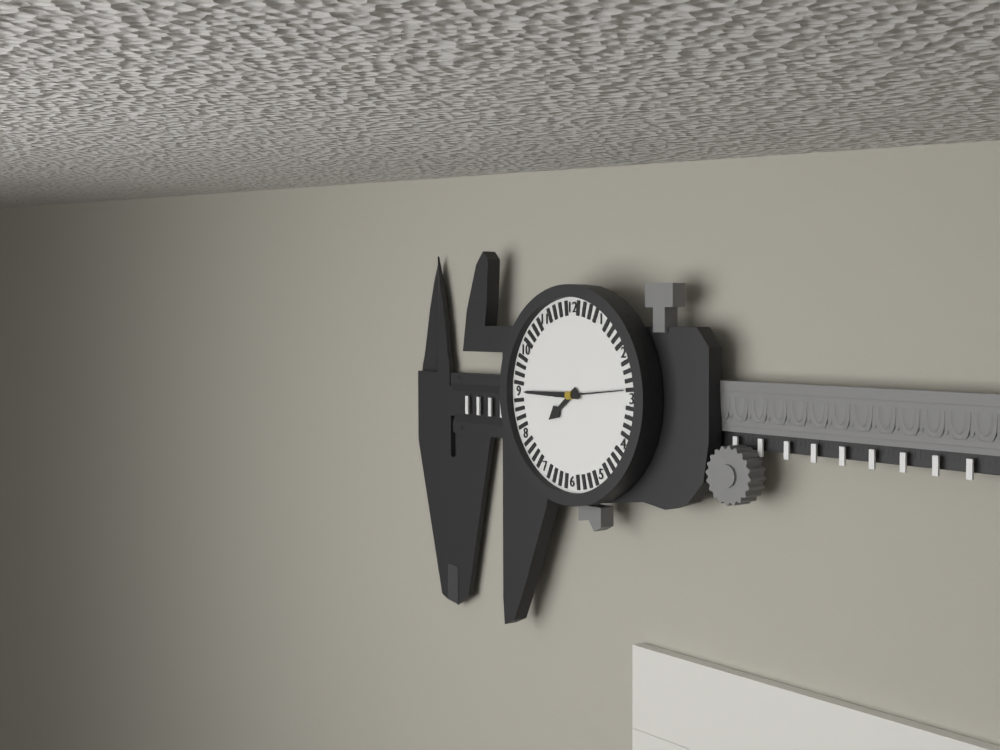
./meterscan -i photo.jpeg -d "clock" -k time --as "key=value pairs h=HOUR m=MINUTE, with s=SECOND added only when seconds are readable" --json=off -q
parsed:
h=7 m=45 s=14
